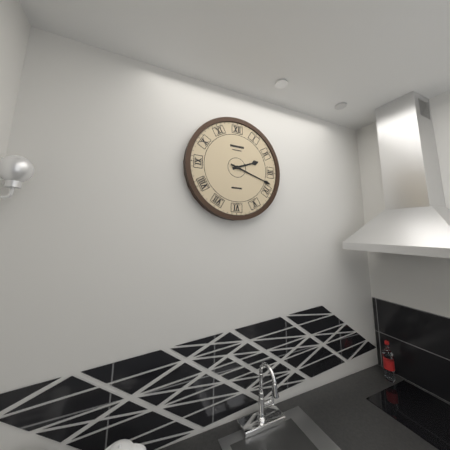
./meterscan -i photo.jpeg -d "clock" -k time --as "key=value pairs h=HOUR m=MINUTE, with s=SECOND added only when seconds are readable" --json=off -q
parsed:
h=2 m=18
